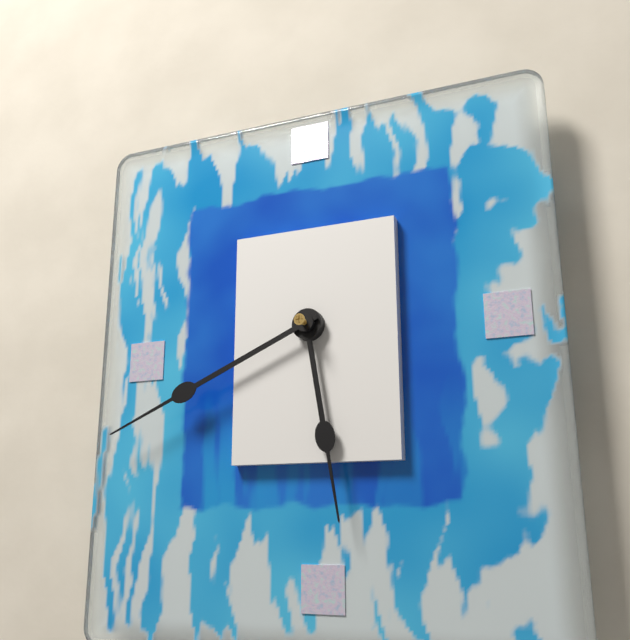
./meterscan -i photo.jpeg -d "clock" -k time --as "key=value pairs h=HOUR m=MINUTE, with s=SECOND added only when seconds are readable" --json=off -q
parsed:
h=5 m=41
